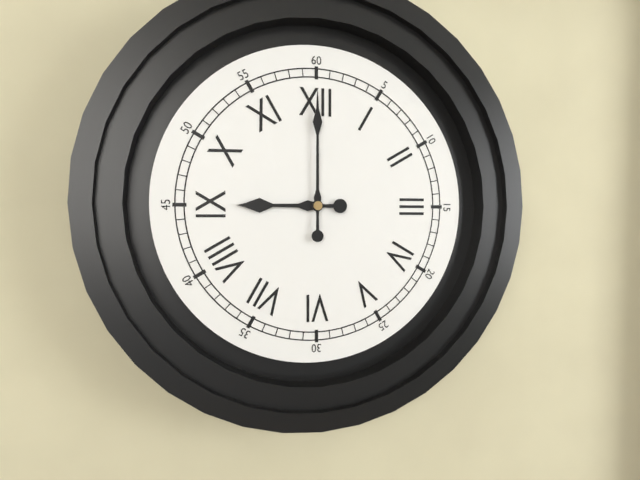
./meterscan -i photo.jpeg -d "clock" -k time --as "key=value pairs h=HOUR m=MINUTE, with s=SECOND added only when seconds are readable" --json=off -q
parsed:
h=9 m=0
